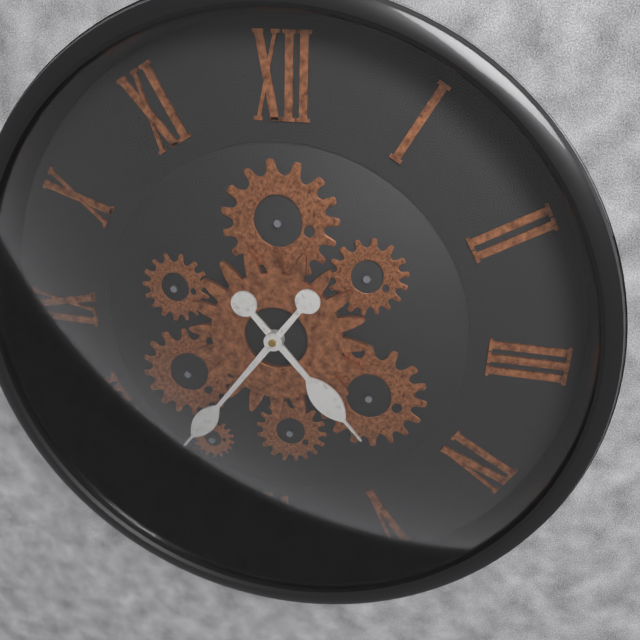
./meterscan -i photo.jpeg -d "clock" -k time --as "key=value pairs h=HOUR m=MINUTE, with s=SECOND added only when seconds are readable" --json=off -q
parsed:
h=4 m=36
